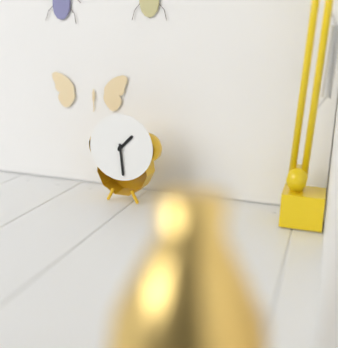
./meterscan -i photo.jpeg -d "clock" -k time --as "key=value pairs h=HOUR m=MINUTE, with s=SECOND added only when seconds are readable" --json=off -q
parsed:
h=1 m=29
